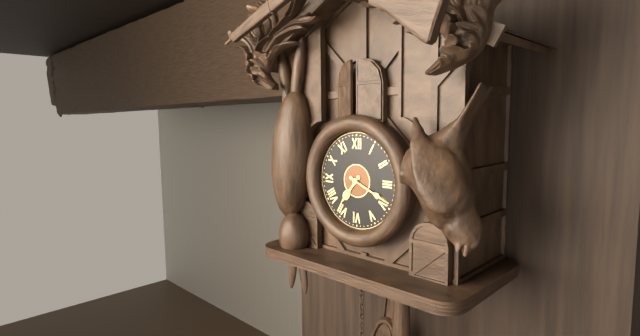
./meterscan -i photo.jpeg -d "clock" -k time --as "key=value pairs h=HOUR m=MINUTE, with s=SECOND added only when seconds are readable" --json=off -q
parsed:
h=7 m=19
